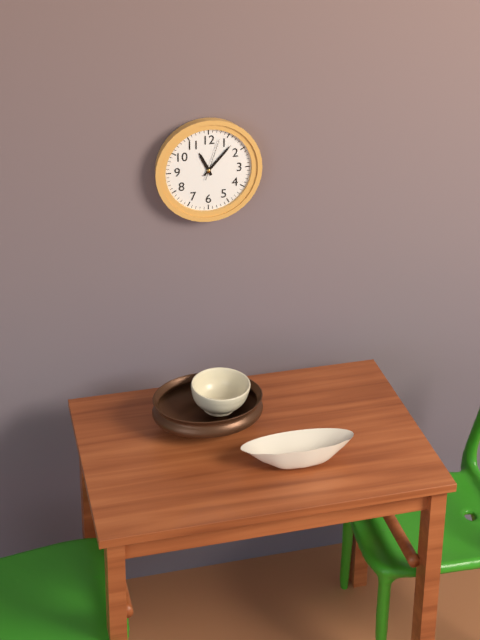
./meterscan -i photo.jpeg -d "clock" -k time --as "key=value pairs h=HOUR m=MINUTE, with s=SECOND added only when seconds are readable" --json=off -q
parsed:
h=11 m=7
